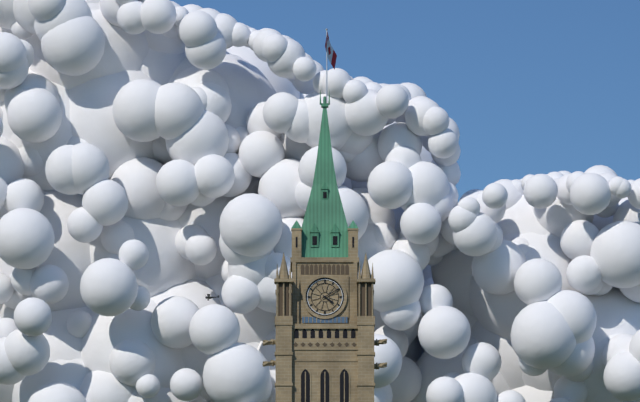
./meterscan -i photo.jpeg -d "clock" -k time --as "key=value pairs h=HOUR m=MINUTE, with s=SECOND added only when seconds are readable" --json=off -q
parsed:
h=4 m=10
